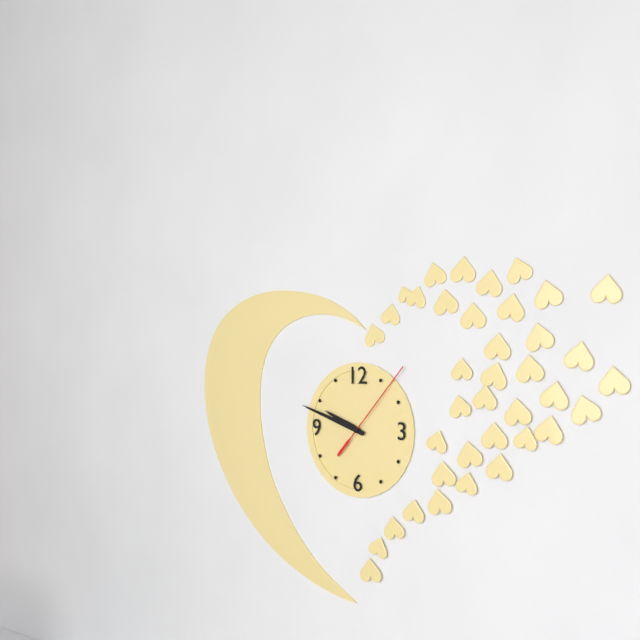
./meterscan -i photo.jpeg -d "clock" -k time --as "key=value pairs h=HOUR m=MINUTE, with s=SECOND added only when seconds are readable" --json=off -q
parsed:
h=9 m=48 s=7
